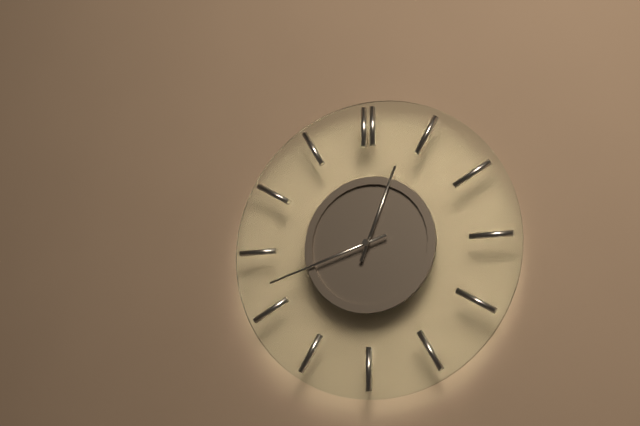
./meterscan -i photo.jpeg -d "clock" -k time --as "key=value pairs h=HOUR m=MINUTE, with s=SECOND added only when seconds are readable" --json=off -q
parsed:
h=12 m=42
